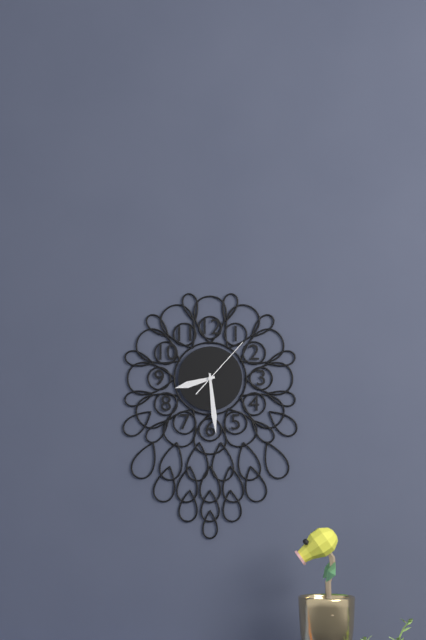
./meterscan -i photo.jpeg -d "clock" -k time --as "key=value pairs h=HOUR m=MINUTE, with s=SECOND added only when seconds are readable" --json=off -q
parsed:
h=8 m=29 s=7
